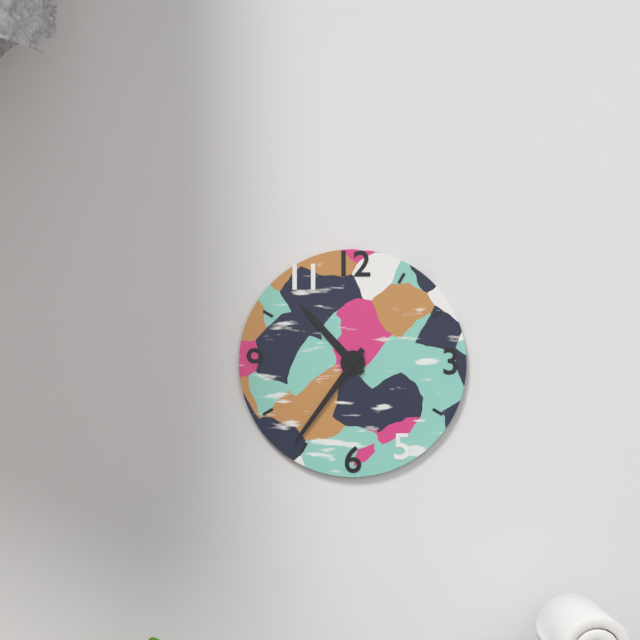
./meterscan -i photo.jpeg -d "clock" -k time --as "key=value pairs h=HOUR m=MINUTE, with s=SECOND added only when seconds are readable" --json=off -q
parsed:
h=10 m=36
